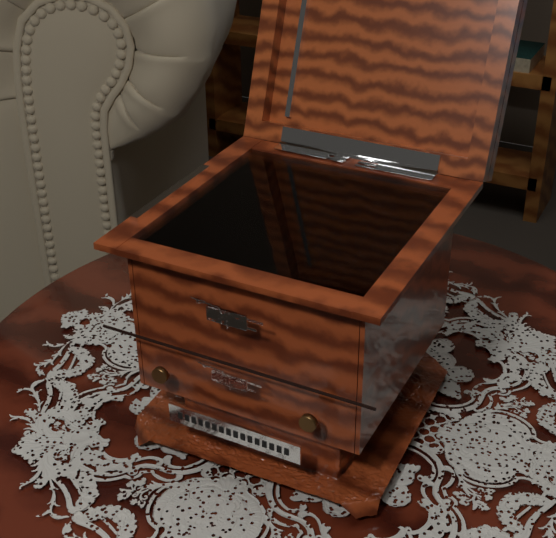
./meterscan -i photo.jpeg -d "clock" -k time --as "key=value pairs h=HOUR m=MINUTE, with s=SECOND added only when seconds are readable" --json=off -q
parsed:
h=11 m=14
